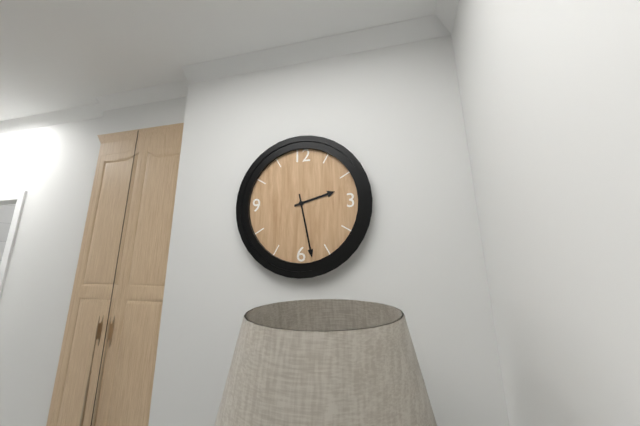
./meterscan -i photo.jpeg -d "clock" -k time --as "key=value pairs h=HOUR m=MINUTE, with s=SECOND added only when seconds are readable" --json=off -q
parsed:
h=2 m=28
